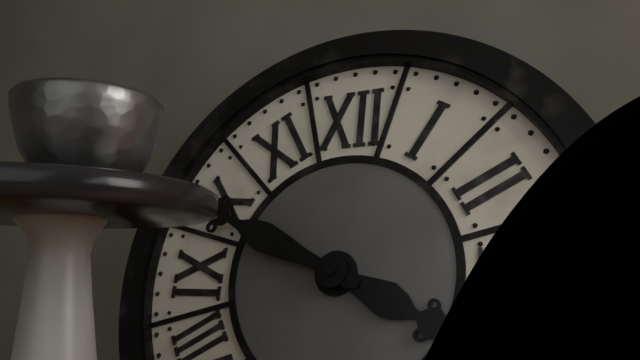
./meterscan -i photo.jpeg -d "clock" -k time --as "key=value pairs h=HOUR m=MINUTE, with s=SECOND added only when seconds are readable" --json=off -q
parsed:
h=3 m=49
